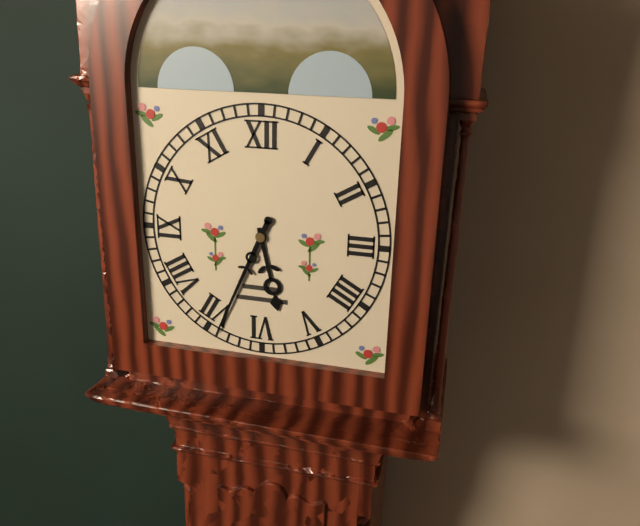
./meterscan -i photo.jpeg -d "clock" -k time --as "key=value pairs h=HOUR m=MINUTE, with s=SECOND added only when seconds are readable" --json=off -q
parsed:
h=5 m=34
